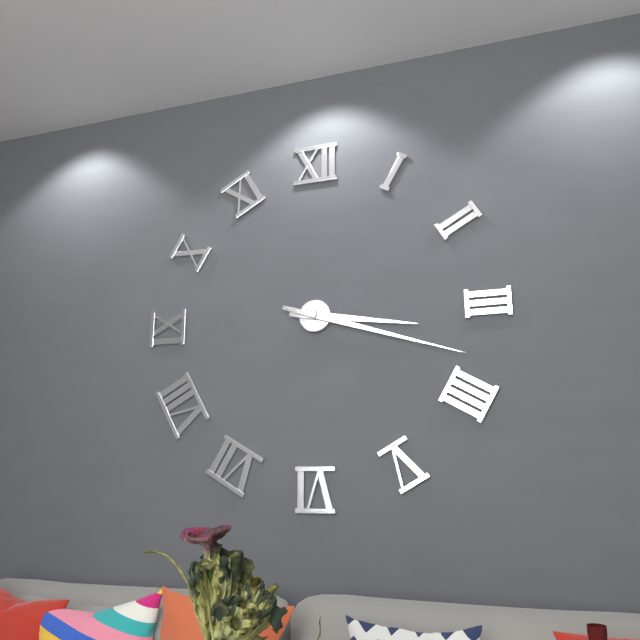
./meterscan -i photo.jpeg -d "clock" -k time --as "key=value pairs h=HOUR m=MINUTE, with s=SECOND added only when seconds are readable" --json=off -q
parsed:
h=3 m=18
